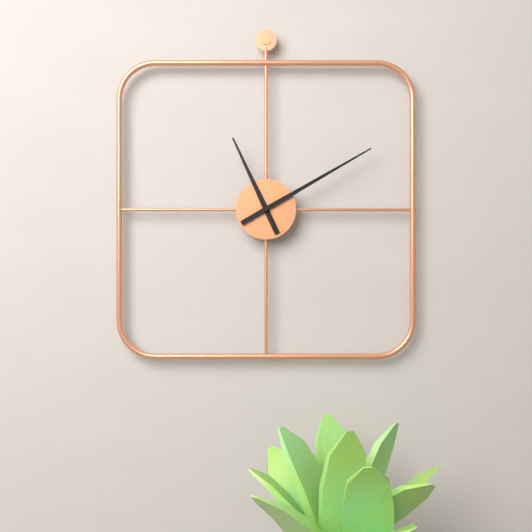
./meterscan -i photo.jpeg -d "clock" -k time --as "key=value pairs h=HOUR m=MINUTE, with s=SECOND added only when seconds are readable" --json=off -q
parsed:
h=11 m=10
